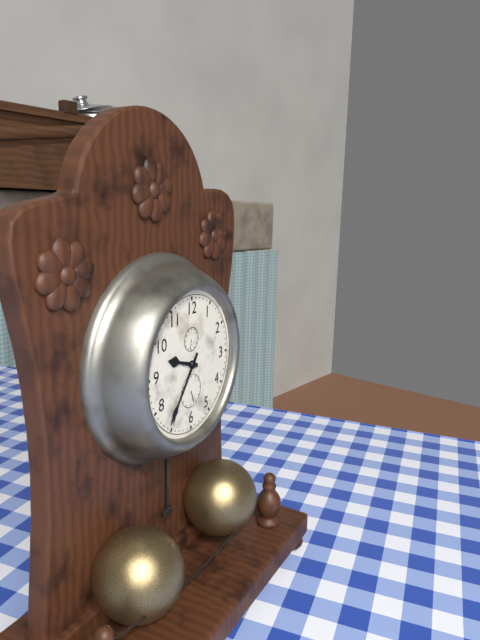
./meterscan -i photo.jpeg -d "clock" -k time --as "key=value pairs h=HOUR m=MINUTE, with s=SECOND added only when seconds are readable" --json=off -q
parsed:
h=9 m=36
